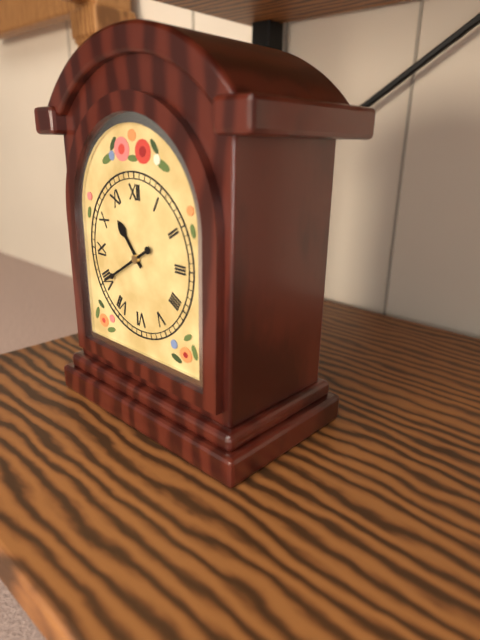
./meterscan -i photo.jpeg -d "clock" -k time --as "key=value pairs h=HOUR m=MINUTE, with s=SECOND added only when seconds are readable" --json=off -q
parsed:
h=10 m=40
